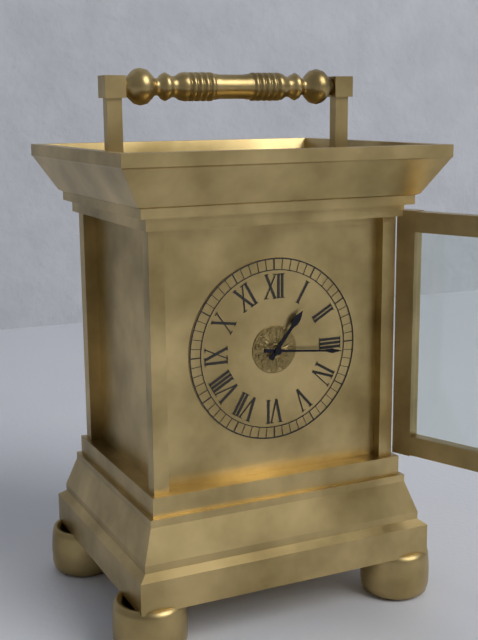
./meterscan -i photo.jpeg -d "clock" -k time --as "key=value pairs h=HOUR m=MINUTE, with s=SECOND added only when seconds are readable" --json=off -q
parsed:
h=1 m=16
